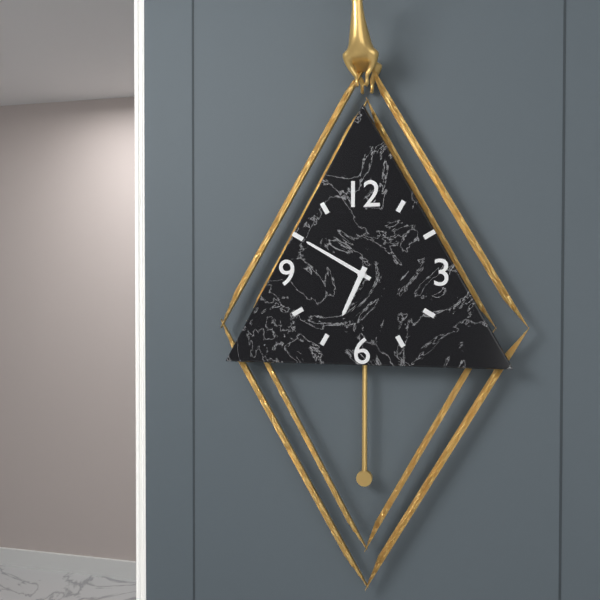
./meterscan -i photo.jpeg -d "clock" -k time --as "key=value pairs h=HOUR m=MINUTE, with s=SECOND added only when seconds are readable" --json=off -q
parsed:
h=6 m=50
